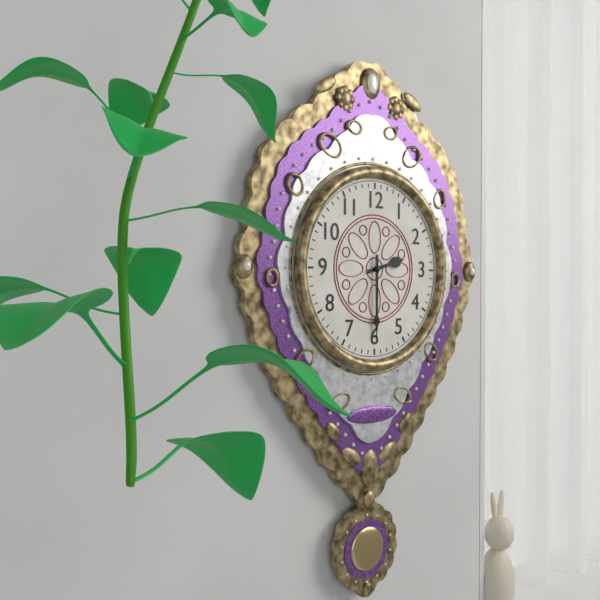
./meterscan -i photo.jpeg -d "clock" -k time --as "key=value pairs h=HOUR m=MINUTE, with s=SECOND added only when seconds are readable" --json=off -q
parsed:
h=2 m=30
